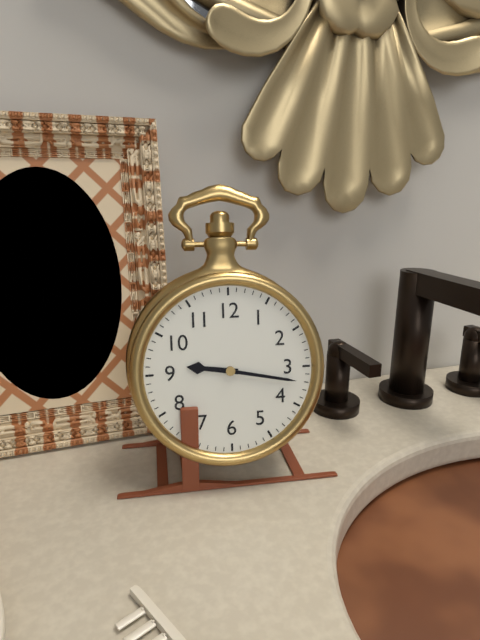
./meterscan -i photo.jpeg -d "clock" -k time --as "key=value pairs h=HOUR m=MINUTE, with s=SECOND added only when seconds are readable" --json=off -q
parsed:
h=9 m=17
